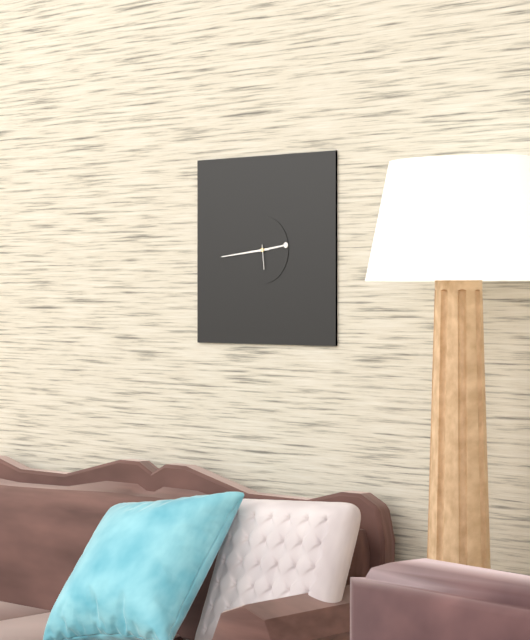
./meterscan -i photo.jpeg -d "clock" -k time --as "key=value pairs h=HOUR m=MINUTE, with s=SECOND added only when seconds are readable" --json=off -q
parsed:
h=2 m=44
